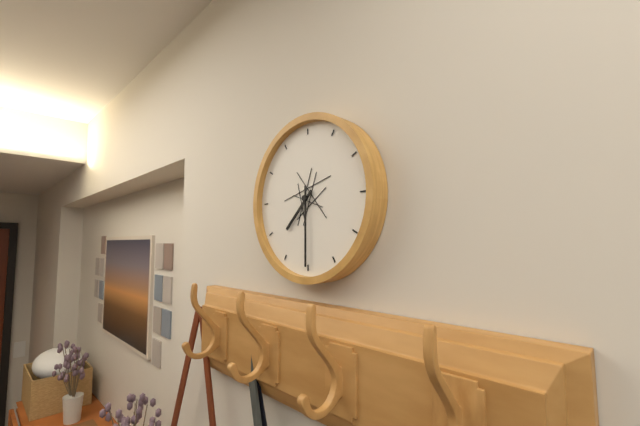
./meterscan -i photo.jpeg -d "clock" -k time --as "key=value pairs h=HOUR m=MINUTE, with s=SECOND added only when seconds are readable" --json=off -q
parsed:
h=7 m=30
